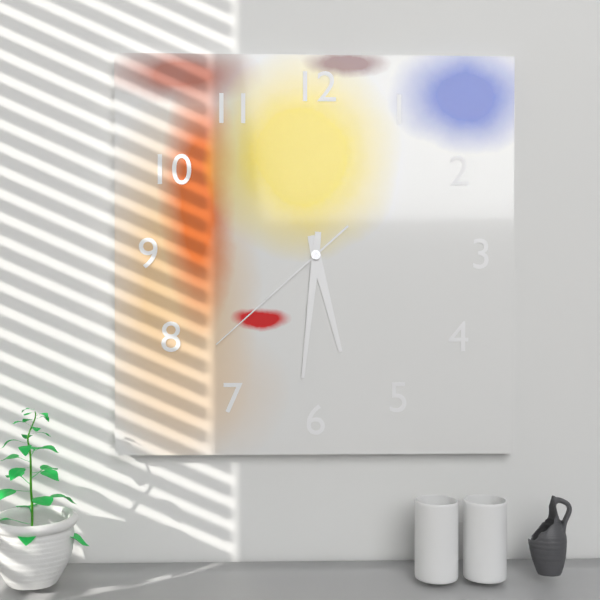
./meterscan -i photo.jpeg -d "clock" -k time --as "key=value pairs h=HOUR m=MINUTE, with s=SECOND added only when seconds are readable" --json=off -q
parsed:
h=5 m=31 s=38
